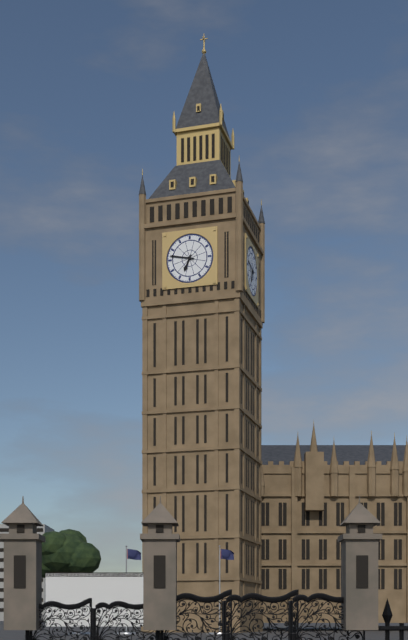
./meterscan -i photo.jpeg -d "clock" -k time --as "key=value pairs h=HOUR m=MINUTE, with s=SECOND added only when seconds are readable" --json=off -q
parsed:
h=6 m=47
